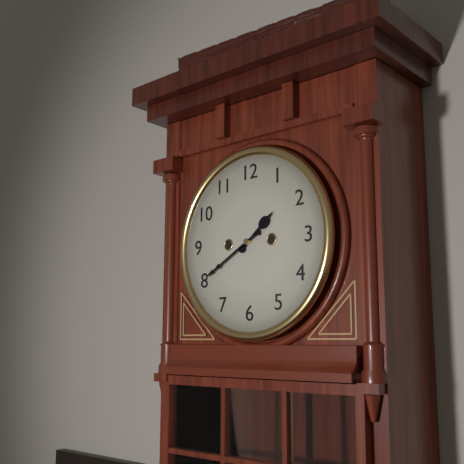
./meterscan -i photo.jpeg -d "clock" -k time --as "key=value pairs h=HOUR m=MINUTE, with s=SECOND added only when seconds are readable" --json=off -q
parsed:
h=1 m=40
